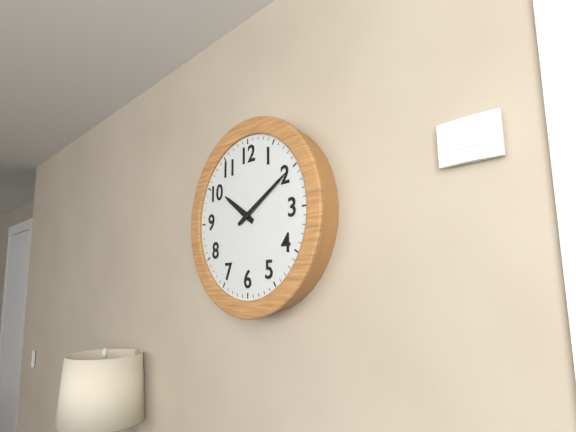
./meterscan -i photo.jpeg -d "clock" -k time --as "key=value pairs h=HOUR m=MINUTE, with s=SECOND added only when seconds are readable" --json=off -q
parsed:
h=10 m=10
